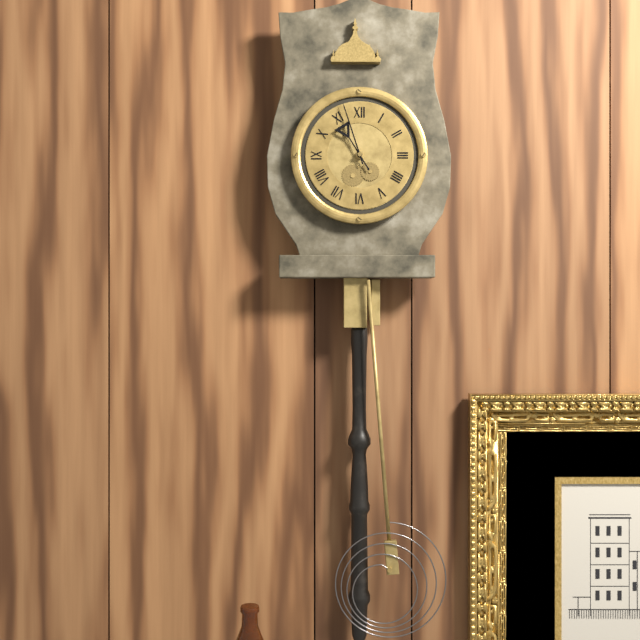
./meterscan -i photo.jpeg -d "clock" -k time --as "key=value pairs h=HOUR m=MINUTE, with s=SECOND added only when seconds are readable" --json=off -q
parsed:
h=10 m=57
